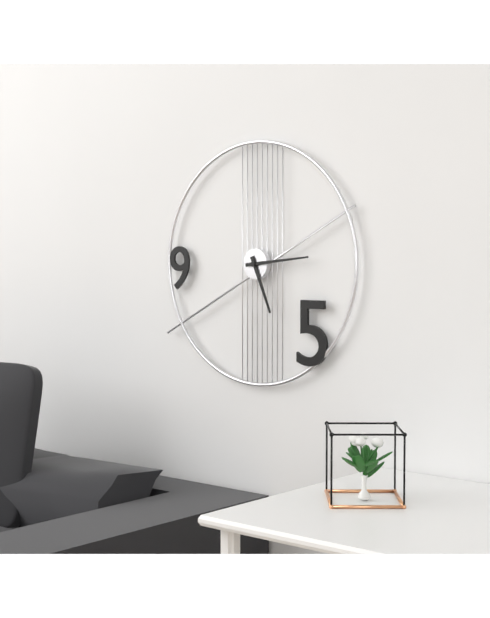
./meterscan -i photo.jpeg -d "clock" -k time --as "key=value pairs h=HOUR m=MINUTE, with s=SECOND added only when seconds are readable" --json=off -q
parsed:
h=5 m=14
